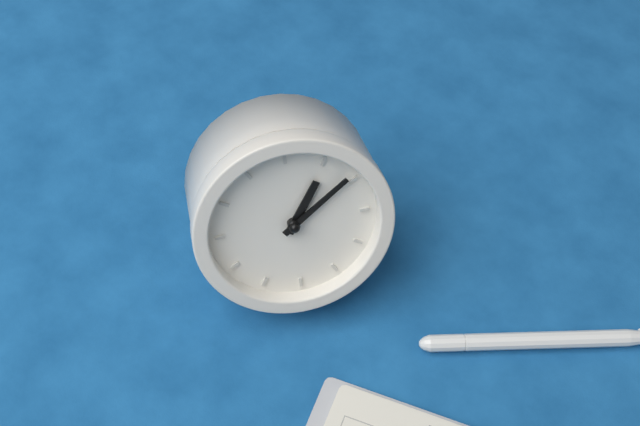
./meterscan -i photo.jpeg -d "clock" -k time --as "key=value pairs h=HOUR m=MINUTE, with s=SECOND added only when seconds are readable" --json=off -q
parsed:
h=12 m=4
